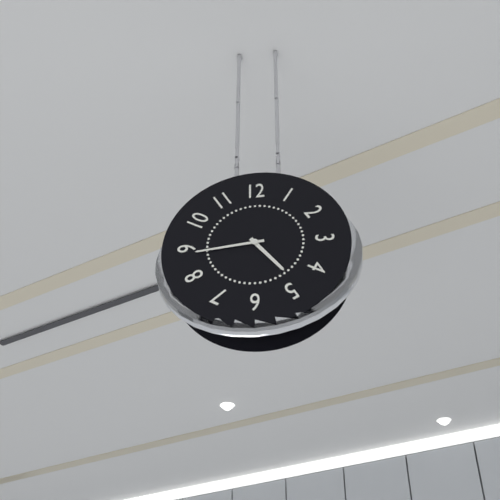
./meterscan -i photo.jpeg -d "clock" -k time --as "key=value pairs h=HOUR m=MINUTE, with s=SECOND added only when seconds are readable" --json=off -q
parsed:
h=4 m=44
